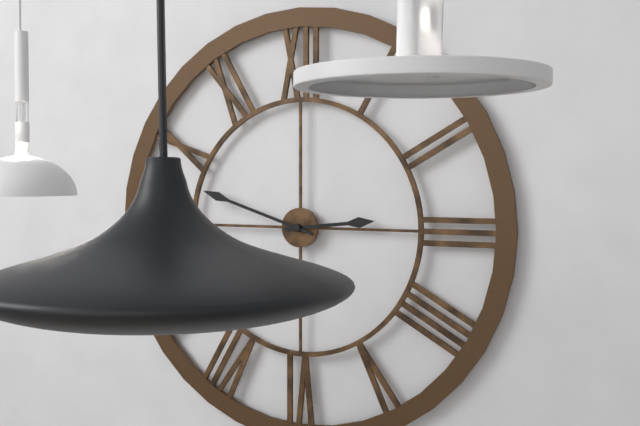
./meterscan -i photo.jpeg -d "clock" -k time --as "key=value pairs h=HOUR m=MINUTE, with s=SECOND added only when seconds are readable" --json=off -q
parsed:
h=2 m=48
